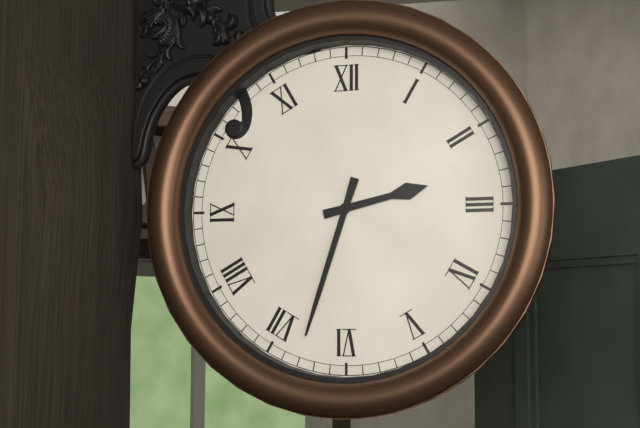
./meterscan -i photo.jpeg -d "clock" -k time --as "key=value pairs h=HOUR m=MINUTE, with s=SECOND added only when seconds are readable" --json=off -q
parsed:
h=2 m=33
